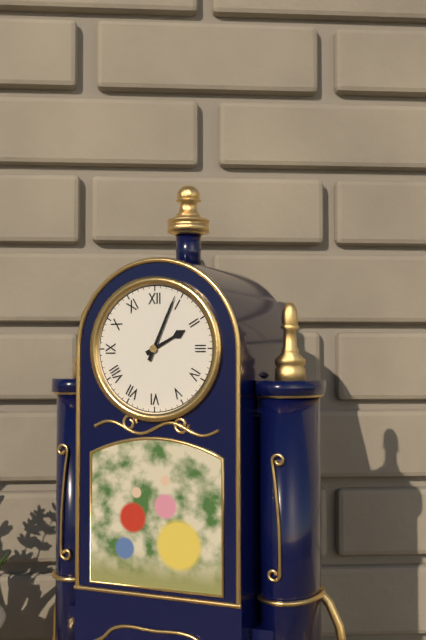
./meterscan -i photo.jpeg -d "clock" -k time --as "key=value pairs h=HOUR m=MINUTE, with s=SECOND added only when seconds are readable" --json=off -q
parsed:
h=2 m=4
